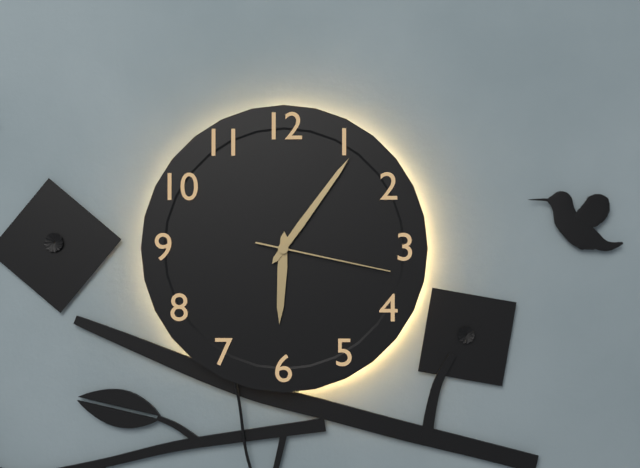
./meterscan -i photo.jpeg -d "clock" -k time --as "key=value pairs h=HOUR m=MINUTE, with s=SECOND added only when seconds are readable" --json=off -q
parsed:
h=6 m=6 s=17
